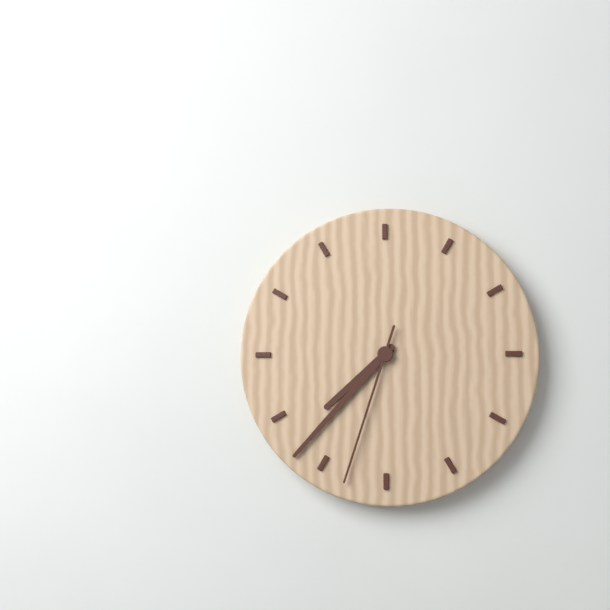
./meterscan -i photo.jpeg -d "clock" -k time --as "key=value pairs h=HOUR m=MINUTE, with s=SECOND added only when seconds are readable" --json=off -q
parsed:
h=7 m=37 s=33
